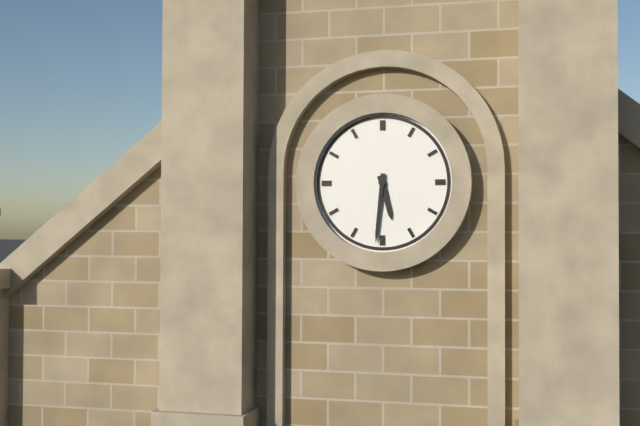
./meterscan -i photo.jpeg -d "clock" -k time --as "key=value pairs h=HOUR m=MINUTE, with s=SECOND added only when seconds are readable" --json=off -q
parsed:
h=5 m=31
